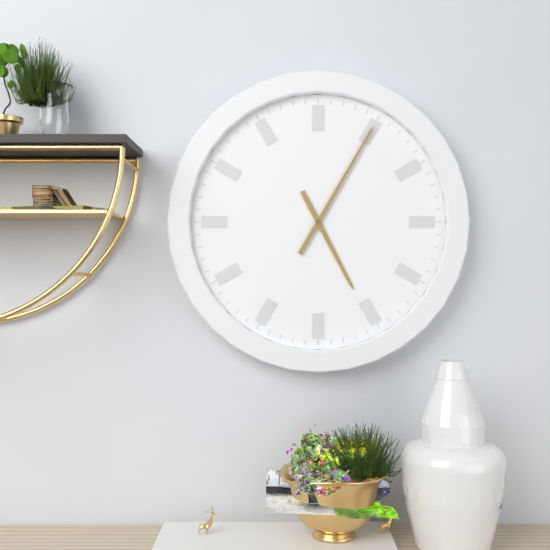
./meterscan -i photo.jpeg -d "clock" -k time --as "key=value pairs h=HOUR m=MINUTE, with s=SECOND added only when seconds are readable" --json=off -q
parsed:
h=5 m=5
